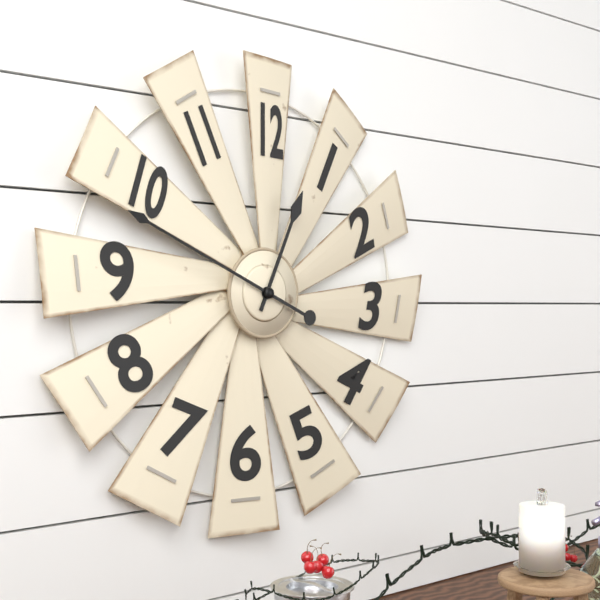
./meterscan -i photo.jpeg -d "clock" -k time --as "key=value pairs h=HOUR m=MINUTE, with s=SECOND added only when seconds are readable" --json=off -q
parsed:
h=12 m=49
